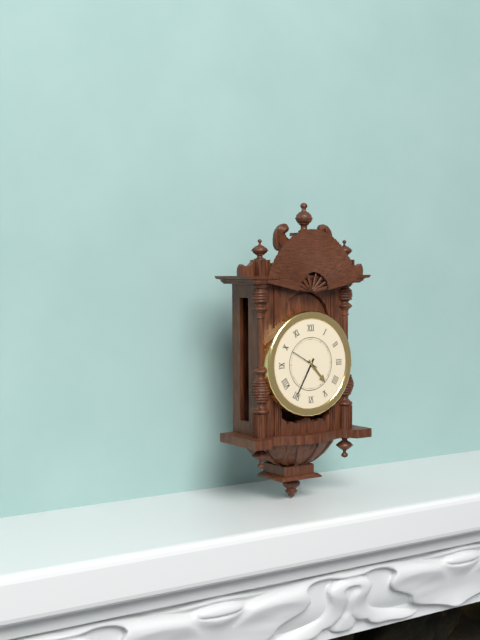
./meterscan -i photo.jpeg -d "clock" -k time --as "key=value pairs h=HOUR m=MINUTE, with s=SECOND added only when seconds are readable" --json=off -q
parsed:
h=4 m=35
